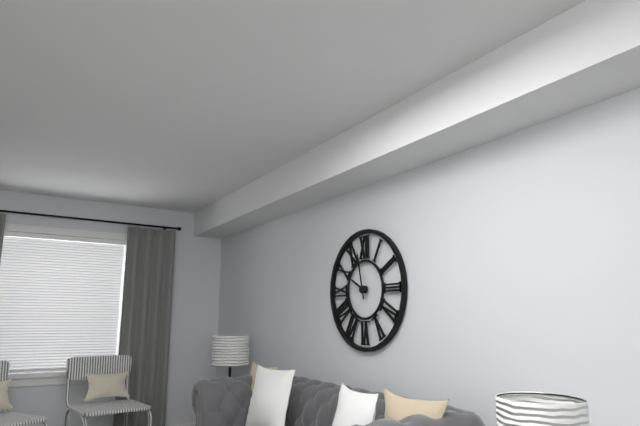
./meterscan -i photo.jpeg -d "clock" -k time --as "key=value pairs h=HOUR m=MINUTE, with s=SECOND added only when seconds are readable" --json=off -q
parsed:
h=9 m=58
